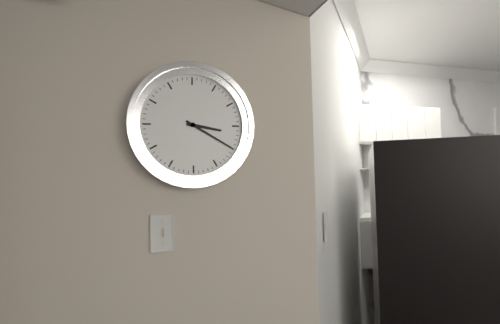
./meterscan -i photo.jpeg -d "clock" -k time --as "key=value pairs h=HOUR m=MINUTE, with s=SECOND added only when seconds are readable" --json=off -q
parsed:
h=3 m=20
